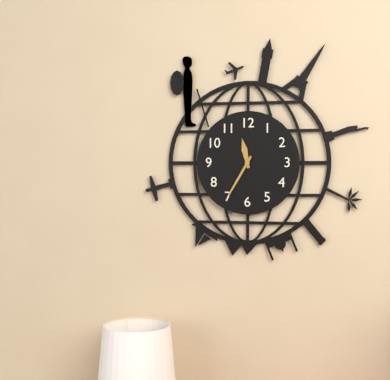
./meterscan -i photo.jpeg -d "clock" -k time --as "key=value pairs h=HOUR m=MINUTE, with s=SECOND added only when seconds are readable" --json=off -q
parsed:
h=11 m=35
